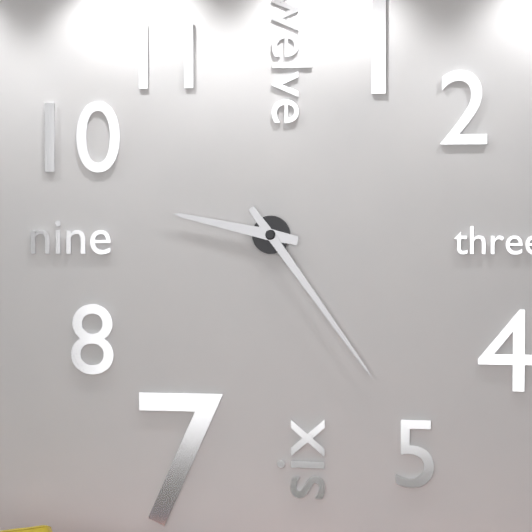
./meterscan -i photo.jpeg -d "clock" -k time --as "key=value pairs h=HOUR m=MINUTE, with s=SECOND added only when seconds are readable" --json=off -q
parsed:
h=9 m=24
